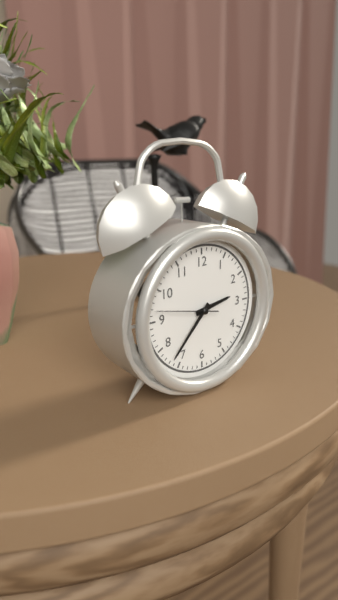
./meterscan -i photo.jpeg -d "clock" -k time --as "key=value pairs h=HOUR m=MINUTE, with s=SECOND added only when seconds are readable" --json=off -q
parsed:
h=2 m=37 s=47
